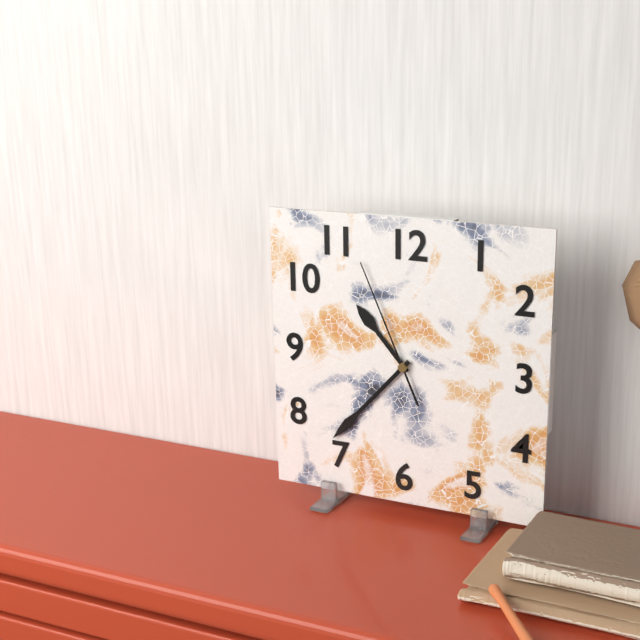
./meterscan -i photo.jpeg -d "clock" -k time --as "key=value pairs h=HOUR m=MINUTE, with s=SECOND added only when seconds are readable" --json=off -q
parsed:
h=10 m=37 s=56
